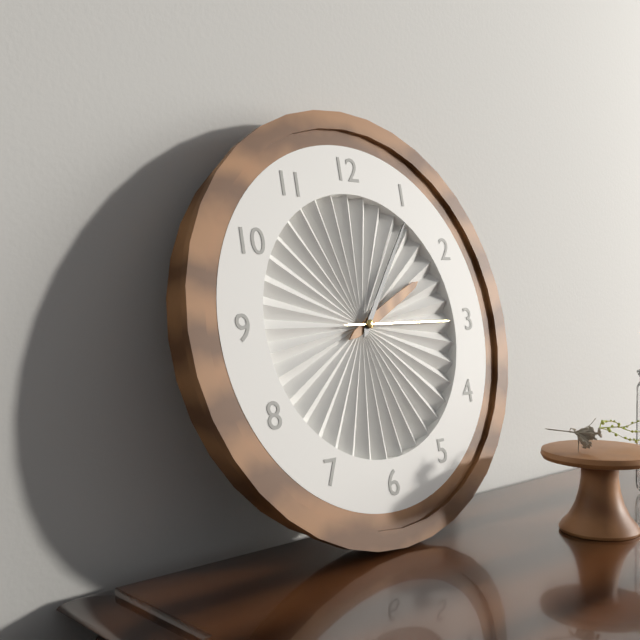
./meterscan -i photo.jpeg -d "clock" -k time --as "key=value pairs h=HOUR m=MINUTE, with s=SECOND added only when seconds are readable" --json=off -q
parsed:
h=2 m=6 s=15
